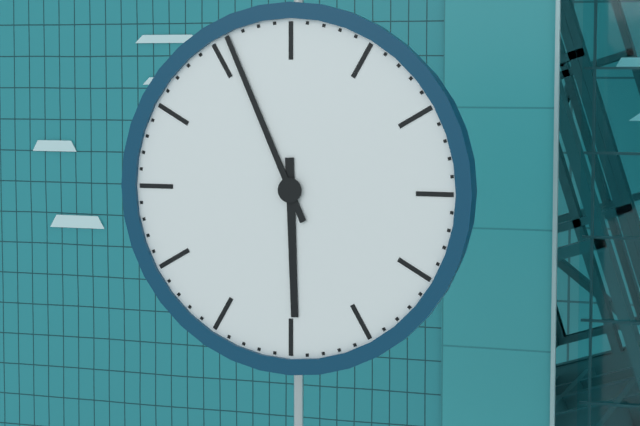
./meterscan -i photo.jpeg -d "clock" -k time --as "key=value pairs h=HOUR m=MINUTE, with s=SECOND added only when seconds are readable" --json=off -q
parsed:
h=5 m=56
